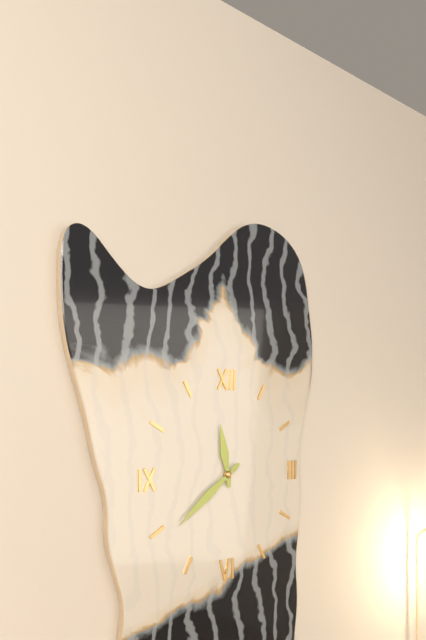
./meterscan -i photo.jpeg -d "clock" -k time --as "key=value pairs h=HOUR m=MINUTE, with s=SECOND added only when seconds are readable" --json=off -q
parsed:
h=11 m=39
